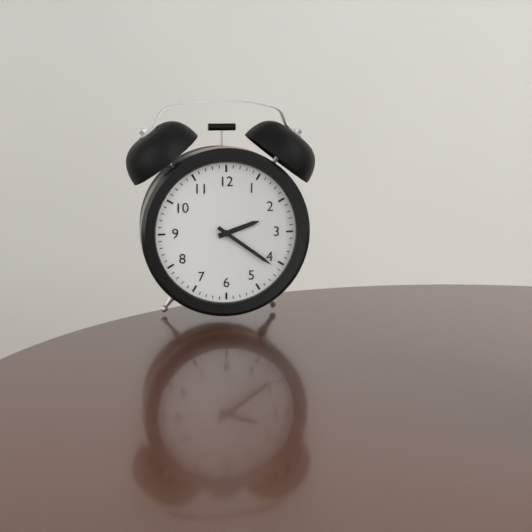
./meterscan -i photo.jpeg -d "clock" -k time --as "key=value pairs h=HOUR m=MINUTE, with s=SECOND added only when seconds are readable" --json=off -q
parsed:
h=2 m=21
